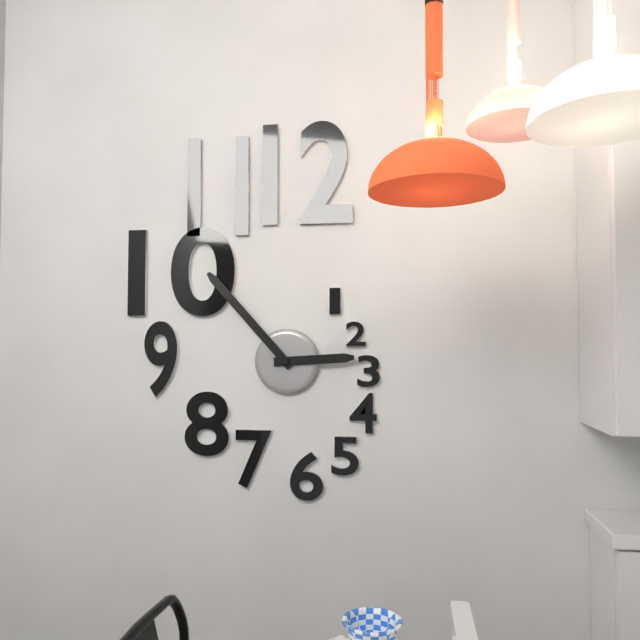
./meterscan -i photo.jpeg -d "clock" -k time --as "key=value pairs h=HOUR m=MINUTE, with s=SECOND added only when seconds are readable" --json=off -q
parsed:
h=2 m=53
